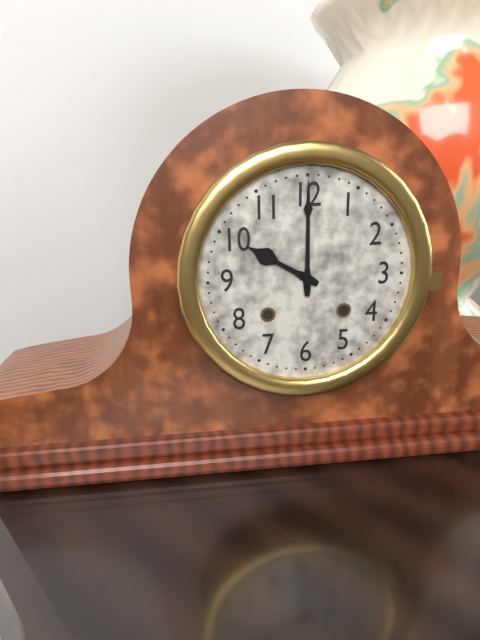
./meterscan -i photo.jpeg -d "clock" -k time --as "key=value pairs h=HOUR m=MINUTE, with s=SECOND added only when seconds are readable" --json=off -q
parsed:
h=10 m=0
